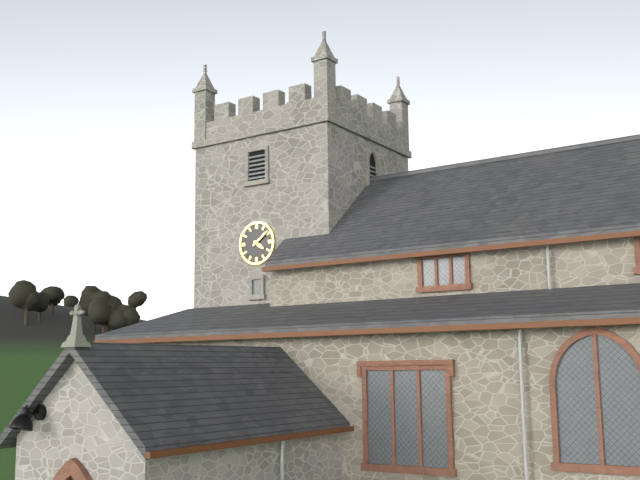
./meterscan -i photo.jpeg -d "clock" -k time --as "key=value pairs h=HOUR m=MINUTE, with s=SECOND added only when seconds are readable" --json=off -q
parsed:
h=4 m=9
